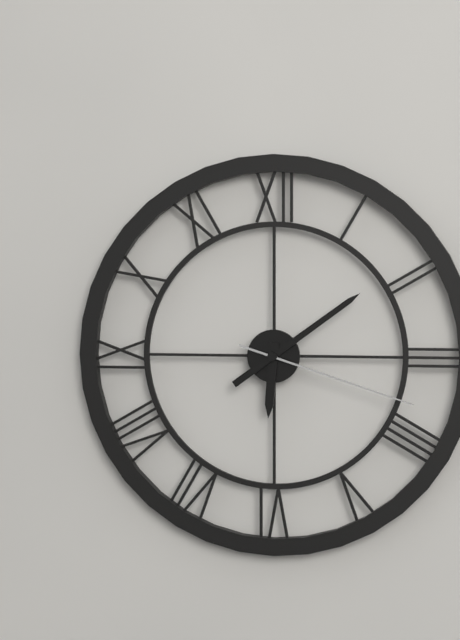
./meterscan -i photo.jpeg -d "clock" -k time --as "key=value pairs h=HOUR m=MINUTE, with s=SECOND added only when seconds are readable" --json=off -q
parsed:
h=6 m=9 s=18
